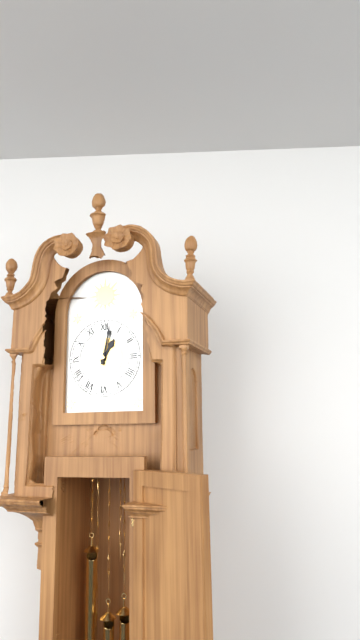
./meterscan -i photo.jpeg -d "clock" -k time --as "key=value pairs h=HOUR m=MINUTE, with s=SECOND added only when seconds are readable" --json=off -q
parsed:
h=1 m=2
